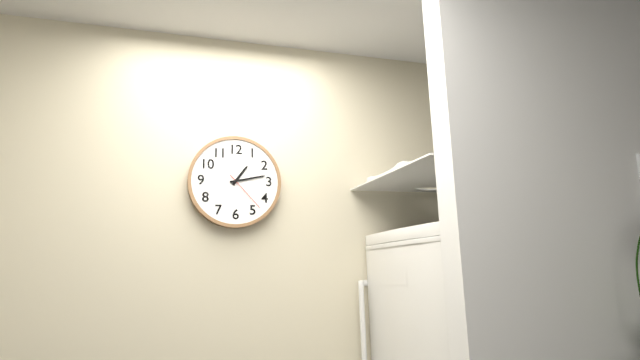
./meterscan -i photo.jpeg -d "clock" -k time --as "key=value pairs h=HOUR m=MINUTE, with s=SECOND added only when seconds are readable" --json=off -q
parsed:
h=1 m=13
